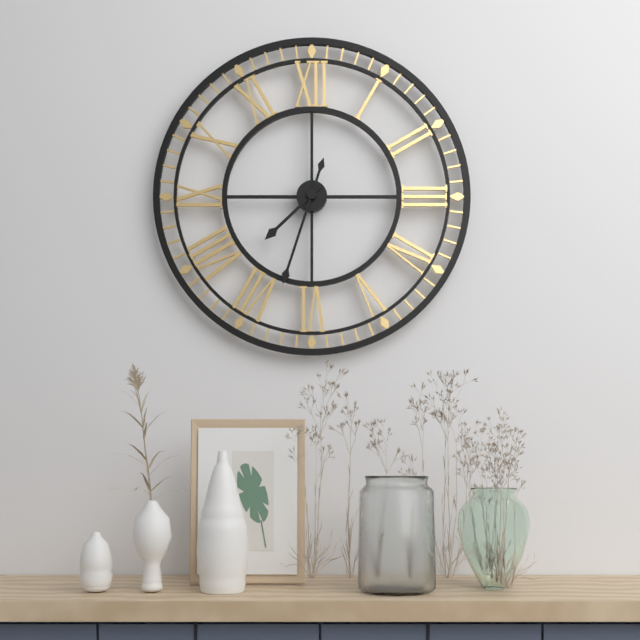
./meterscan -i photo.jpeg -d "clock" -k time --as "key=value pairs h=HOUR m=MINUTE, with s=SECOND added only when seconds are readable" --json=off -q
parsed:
h=7 m=33
